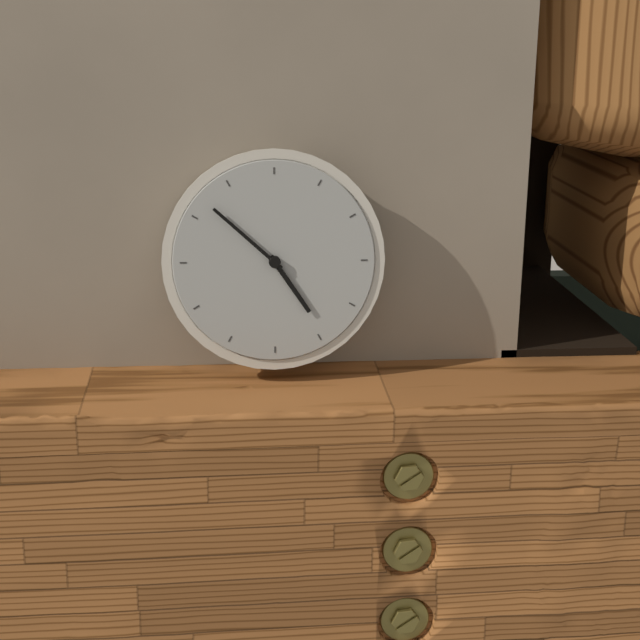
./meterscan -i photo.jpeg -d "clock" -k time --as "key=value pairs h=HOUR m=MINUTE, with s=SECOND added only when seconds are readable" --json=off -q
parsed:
h=4 m=52
